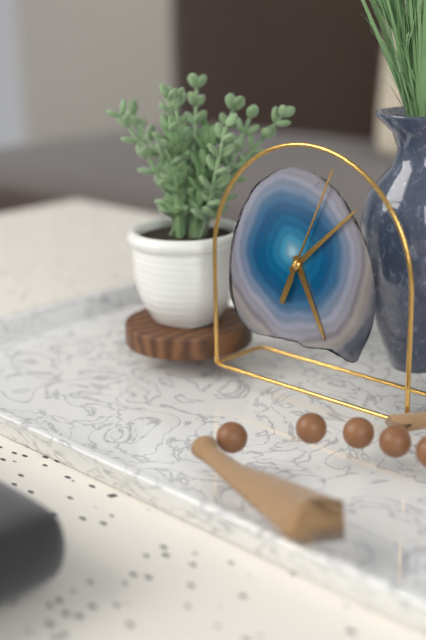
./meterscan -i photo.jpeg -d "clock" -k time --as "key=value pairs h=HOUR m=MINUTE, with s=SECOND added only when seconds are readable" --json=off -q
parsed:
h=5 m=8 s=4
